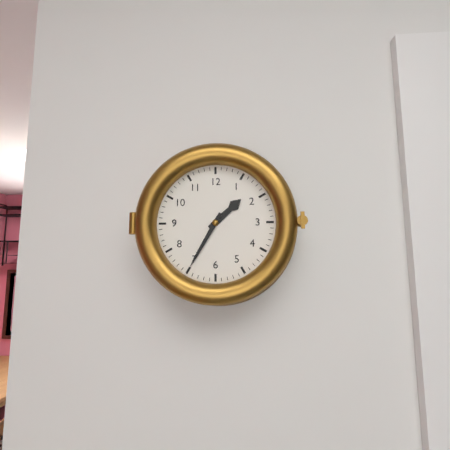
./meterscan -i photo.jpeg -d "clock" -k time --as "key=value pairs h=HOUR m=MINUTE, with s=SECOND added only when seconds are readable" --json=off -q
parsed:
h=1 m=35
